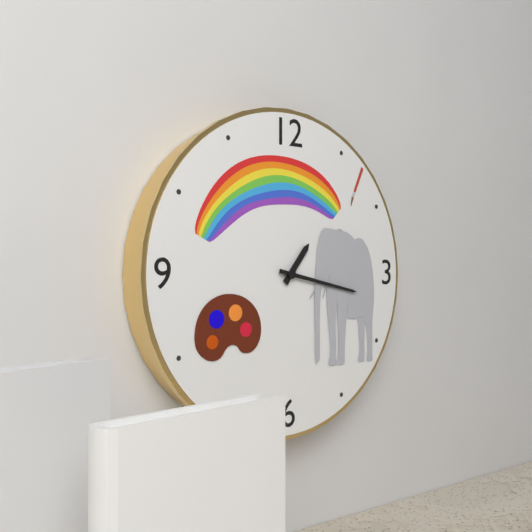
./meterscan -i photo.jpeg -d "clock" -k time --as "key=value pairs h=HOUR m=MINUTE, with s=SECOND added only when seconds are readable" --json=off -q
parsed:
h=1 m=17
